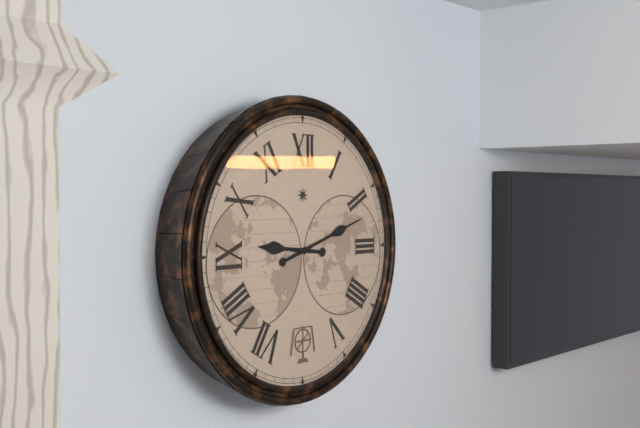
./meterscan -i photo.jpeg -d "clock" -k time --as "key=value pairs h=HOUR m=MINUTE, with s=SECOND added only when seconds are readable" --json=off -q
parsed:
h=9 m=12
